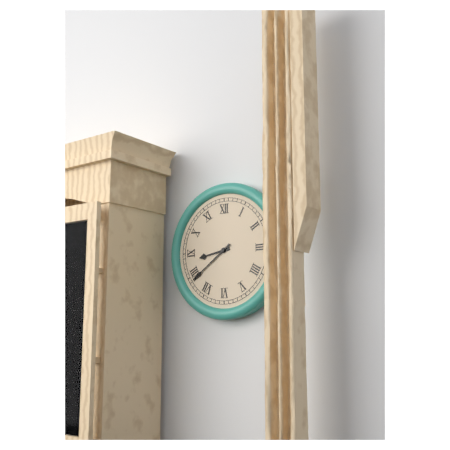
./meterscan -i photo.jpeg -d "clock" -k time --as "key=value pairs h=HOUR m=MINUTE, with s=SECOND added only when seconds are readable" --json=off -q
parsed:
h=8 m=39
